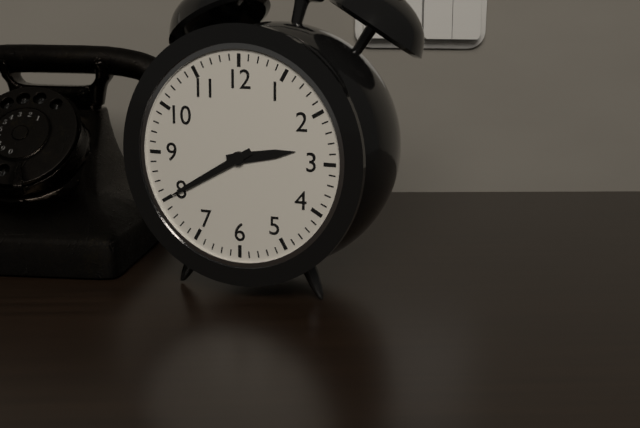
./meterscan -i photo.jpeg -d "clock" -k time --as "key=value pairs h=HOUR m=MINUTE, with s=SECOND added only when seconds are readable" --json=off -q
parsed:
h=2 m=40
